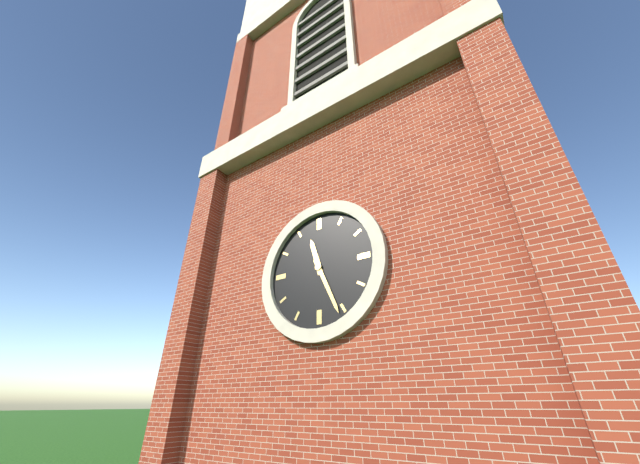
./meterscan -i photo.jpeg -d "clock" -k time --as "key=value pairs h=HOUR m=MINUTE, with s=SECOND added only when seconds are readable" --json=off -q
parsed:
h=11 m=26
